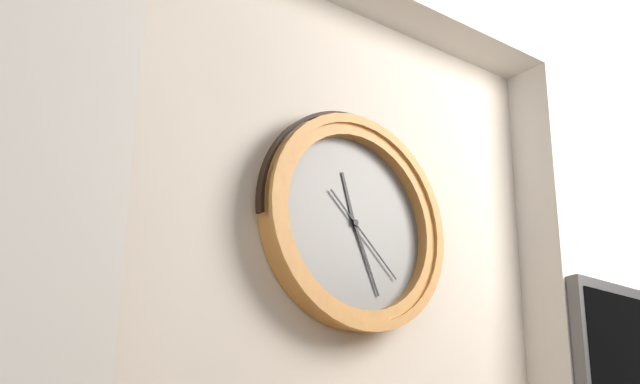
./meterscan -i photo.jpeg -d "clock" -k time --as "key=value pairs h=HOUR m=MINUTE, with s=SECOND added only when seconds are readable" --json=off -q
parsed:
h=11 m=26 s=22
